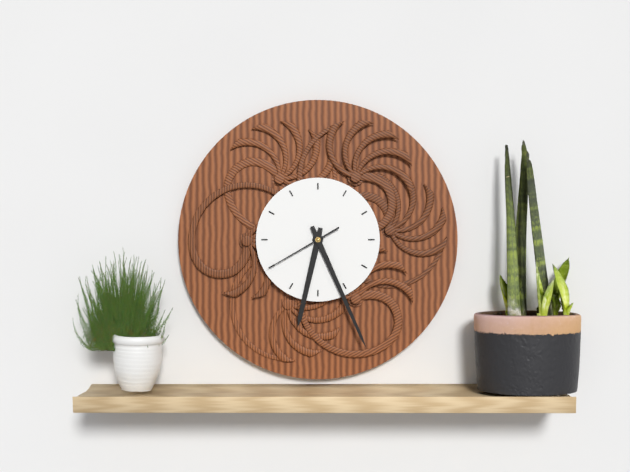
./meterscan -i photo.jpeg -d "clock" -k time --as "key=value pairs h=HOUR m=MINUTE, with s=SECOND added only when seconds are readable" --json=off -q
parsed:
h=6 m=26 s=40
